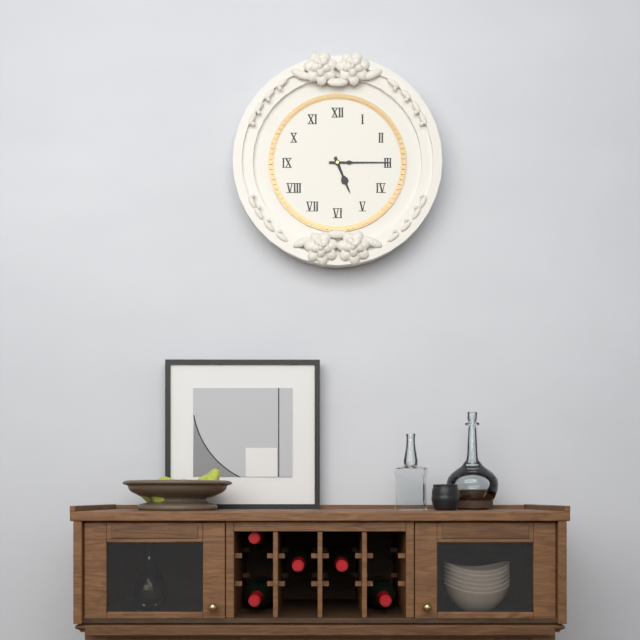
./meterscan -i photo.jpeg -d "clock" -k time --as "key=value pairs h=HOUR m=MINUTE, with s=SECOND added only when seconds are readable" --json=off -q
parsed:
h=5 m=15
